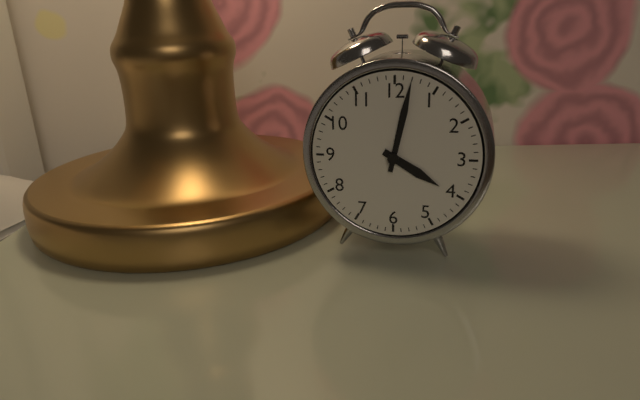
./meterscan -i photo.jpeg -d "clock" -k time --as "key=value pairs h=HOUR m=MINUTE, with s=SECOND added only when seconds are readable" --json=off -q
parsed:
h=4 m=2
